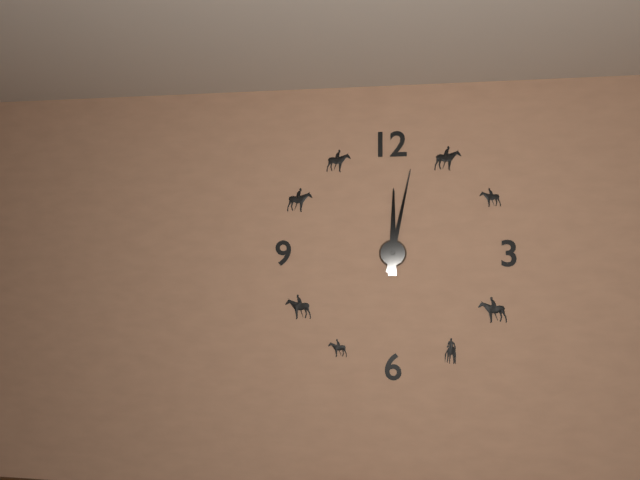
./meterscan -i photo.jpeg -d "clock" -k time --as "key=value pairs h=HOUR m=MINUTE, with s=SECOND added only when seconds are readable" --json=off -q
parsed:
h=12 m=2
